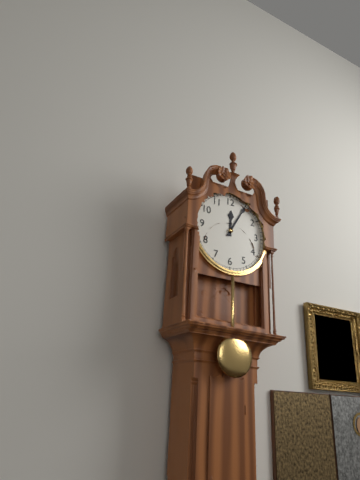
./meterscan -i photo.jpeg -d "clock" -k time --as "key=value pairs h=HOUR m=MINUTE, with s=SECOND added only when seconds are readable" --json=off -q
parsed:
h=12 m=5
